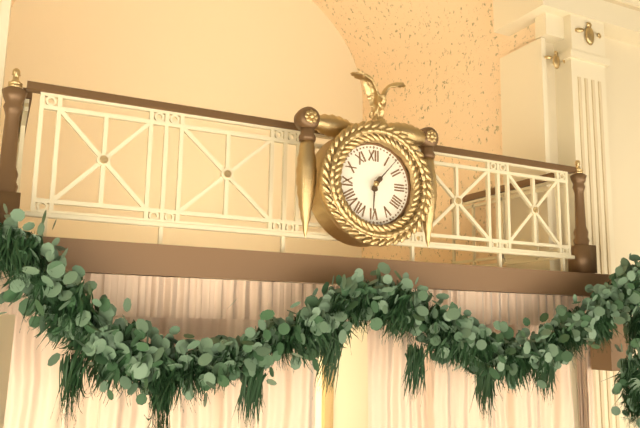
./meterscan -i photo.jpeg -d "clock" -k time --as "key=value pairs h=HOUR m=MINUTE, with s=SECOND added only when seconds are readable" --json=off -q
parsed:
h=6 m=7
